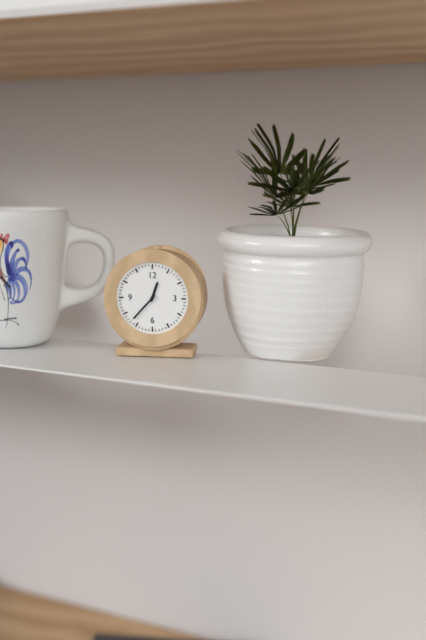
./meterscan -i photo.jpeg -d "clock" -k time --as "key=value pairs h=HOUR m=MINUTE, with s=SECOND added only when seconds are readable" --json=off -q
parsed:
h=12 m=37
